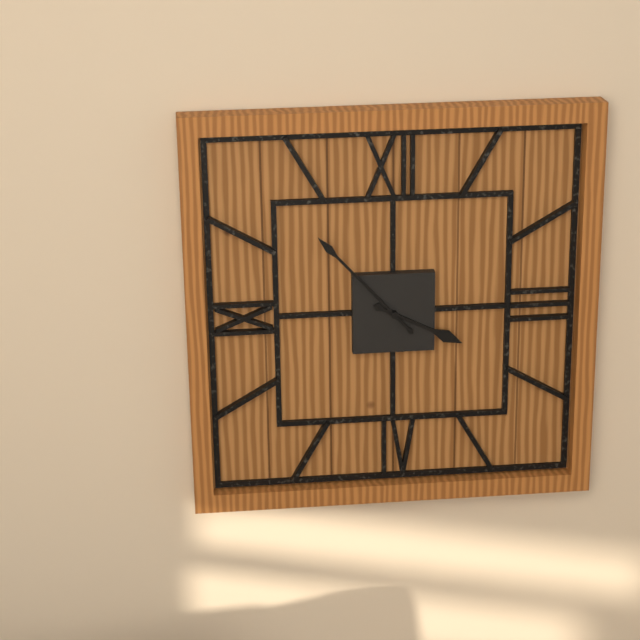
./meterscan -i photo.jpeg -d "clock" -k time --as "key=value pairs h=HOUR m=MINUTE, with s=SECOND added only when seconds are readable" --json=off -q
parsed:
h=3 m=53
